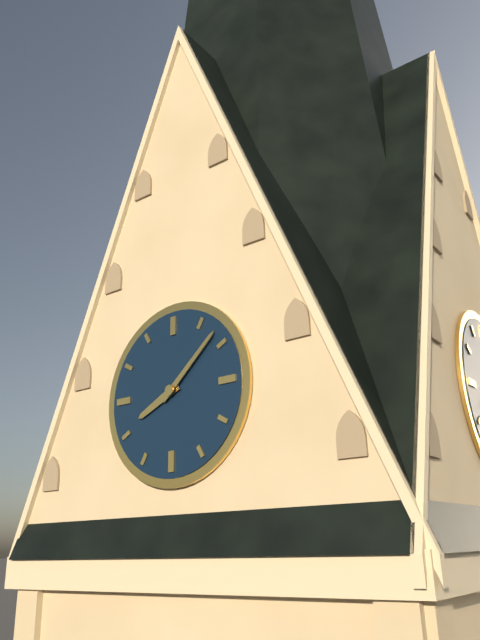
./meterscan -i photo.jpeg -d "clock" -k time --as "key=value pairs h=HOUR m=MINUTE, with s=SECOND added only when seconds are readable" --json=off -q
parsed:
h=8 m=8
